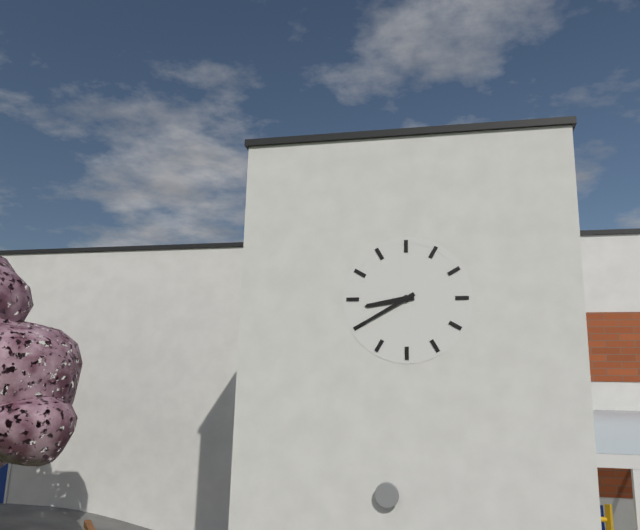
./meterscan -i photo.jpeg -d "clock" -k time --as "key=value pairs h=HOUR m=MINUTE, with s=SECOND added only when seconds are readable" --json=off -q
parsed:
h=8 m=40
